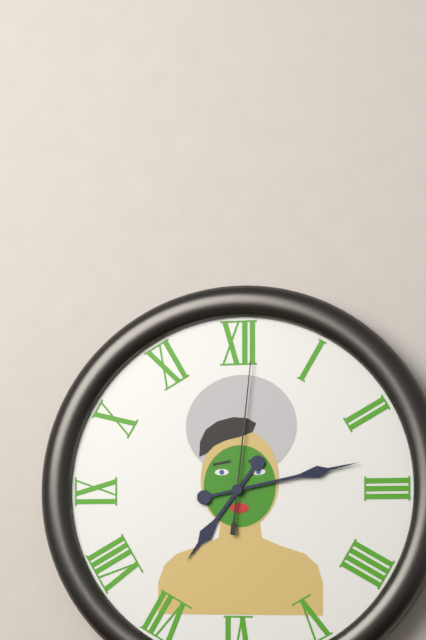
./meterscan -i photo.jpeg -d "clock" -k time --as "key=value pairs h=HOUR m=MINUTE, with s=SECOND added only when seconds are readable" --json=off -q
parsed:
h=7 m=13 s=1
